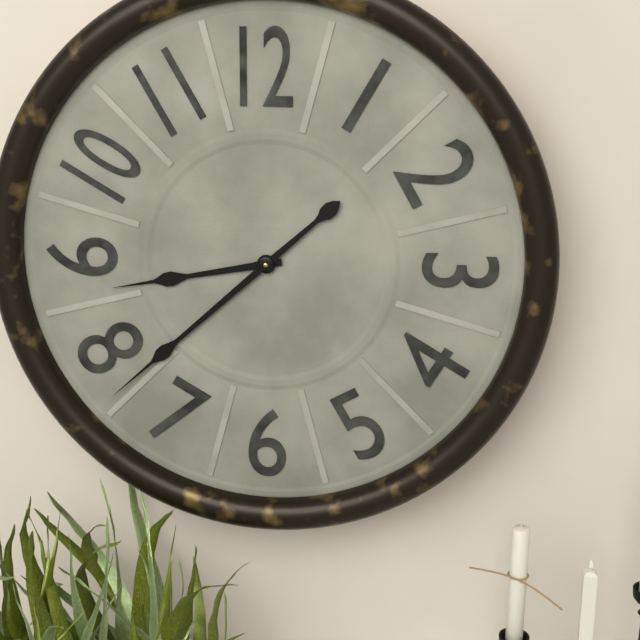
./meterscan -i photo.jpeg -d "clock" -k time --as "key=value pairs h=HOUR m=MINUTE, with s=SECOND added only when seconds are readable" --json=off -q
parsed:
h=8 m=38
